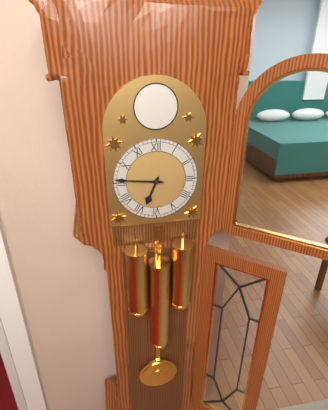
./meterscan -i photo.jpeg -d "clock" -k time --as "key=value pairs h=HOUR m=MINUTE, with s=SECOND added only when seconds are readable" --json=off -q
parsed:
h=6 m=46
